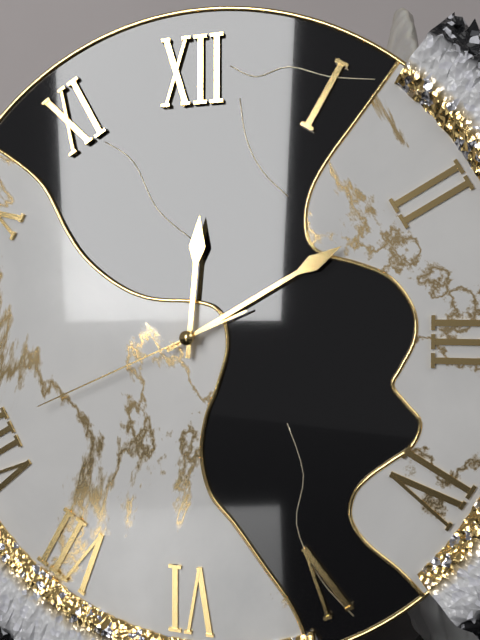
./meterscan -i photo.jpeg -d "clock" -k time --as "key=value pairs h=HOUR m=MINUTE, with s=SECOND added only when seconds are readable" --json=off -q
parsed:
h=12 m=10 s=41
